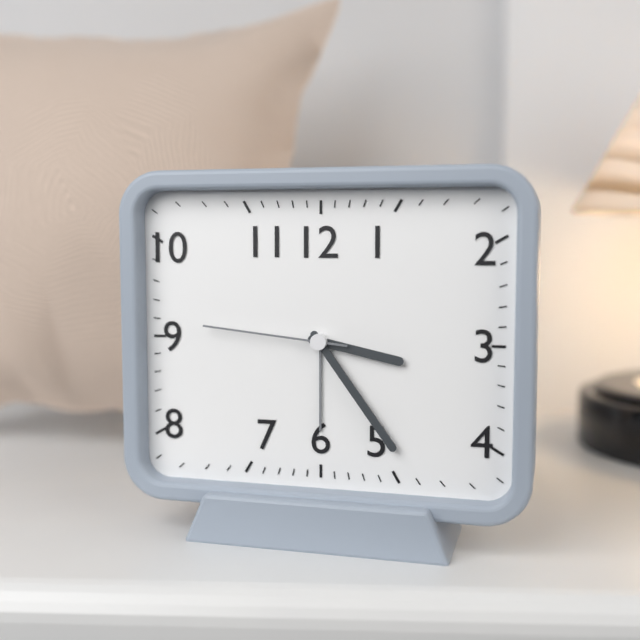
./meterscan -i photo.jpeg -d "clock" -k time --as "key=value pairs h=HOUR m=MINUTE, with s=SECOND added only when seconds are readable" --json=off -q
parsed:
h=3 m=24 s=46
